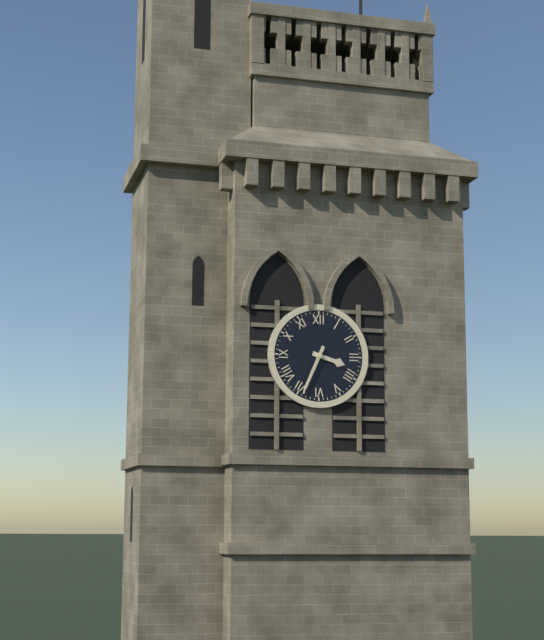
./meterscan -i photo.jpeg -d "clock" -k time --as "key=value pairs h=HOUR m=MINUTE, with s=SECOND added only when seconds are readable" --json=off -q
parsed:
h=3 m=34
